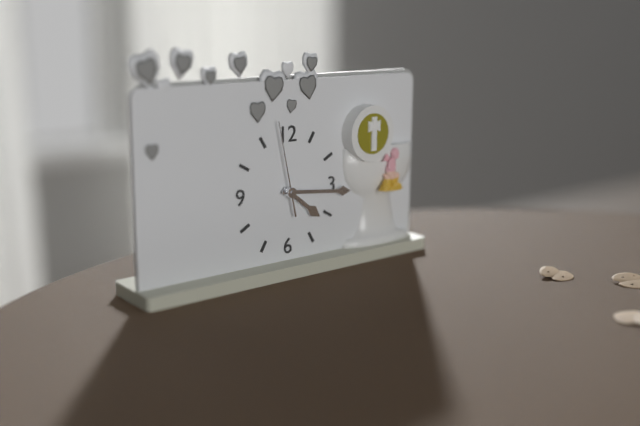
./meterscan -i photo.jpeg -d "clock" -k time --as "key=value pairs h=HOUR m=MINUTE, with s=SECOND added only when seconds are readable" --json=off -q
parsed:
h=4 m=16 s=58
